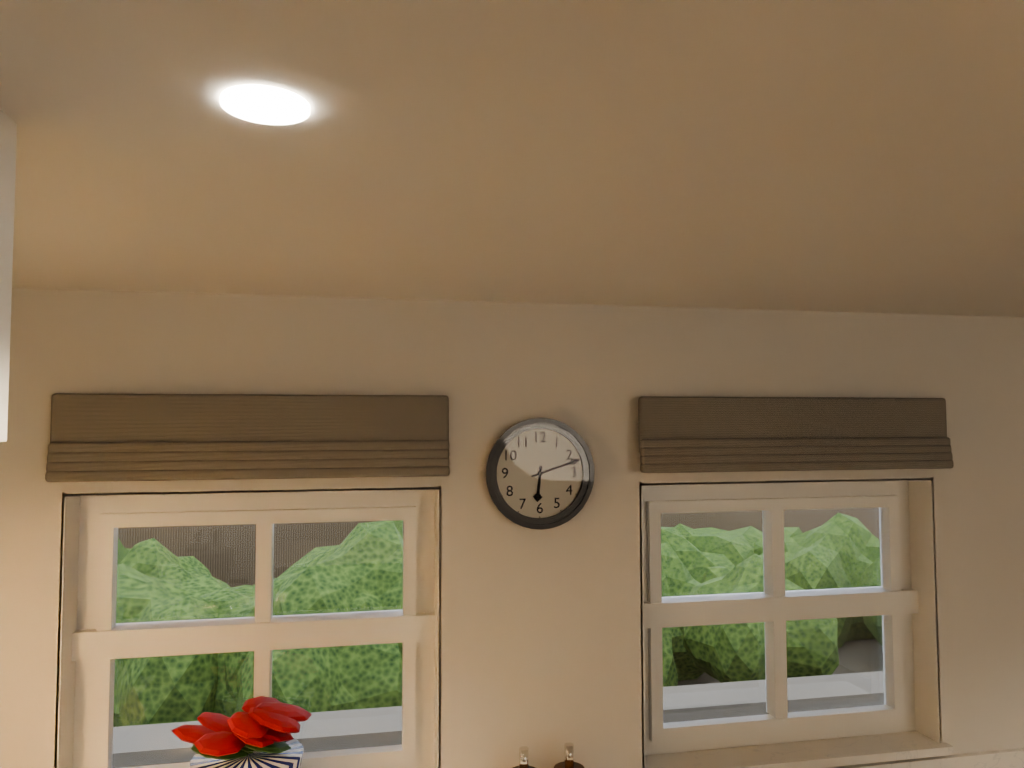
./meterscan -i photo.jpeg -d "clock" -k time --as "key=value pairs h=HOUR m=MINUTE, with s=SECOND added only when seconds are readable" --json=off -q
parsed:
h=6 m=12
